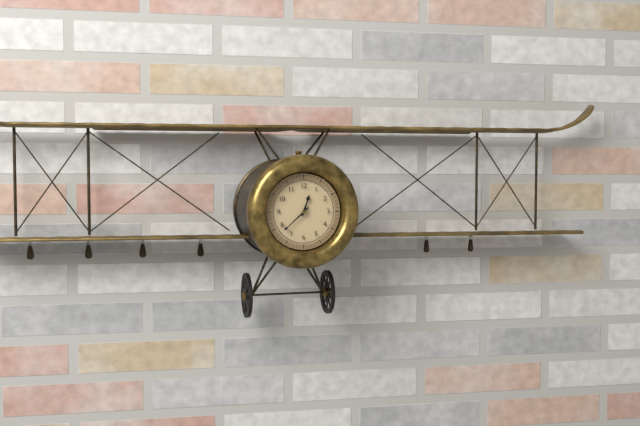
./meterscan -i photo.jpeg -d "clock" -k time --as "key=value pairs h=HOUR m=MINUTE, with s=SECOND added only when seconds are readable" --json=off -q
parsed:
h=12 m=38
